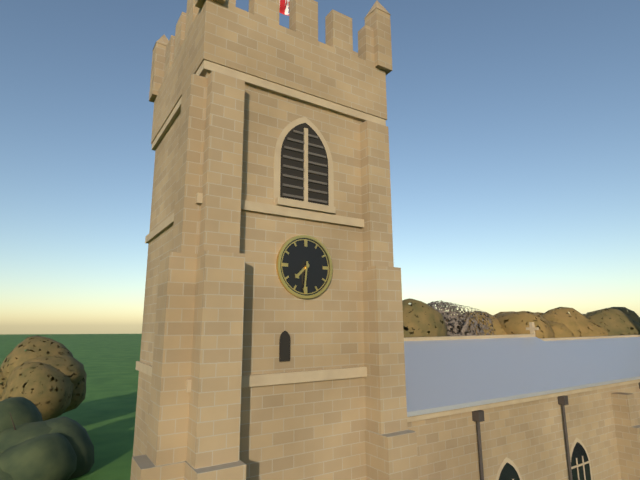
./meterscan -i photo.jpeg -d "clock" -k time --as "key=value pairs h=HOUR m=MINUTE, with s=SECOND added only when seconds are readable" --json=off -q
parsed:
h=7 m=31
